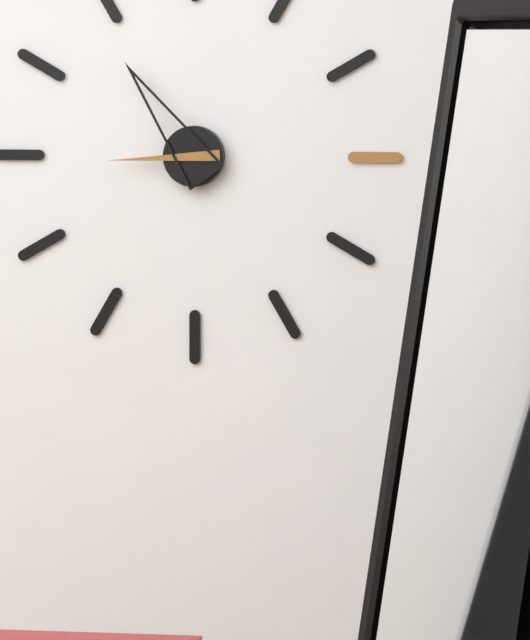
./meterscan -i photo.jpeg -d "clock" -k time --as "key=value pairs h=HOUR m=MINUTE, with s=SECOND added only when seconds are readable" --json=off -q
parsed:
h=8 m=54
